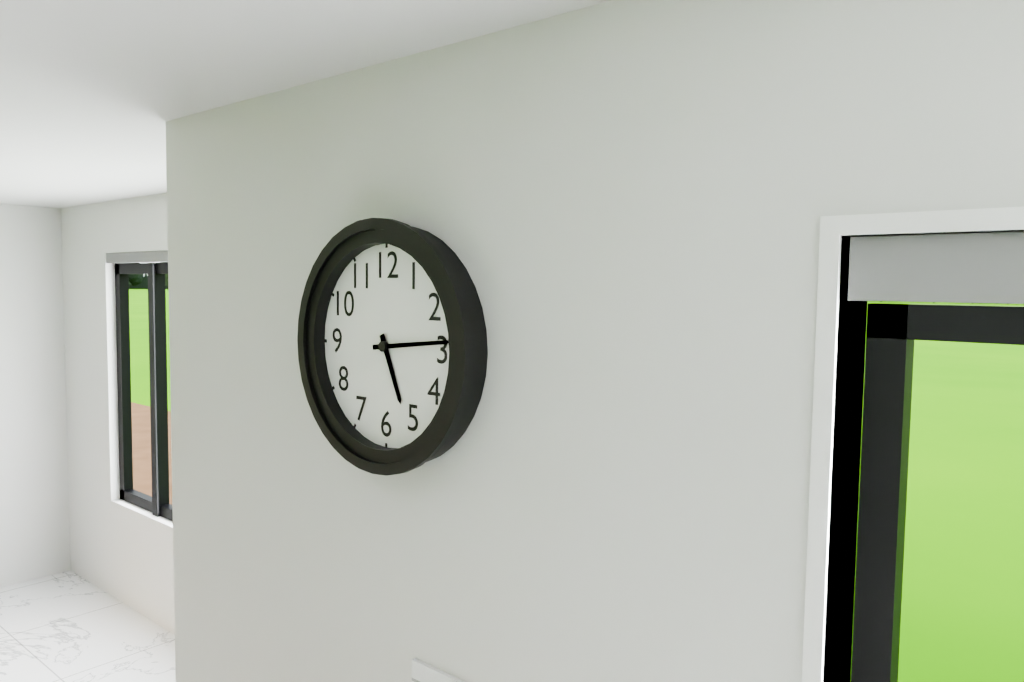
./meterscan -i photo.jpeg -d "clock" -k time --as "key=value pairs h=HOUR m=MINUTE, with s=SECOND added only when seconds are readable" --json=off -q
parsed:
h=5 m=14
